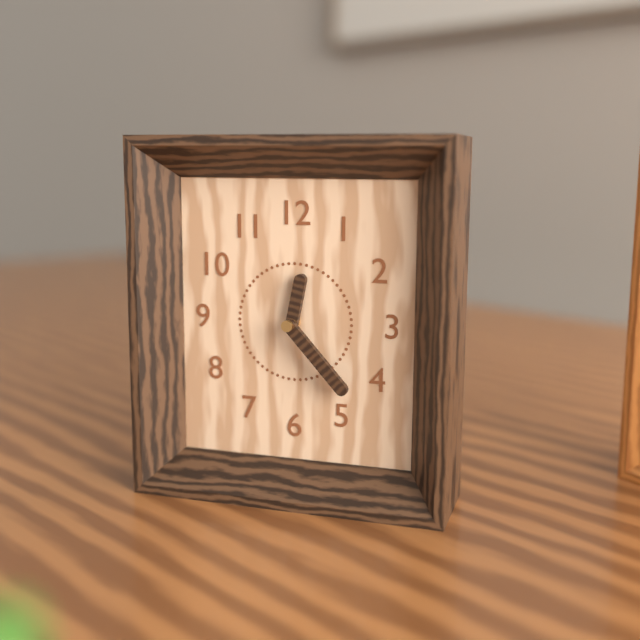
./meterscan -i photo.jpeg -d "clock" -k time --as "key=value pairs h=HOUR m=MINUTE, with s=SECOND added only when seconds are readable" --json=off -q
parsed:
h=12 m=23
